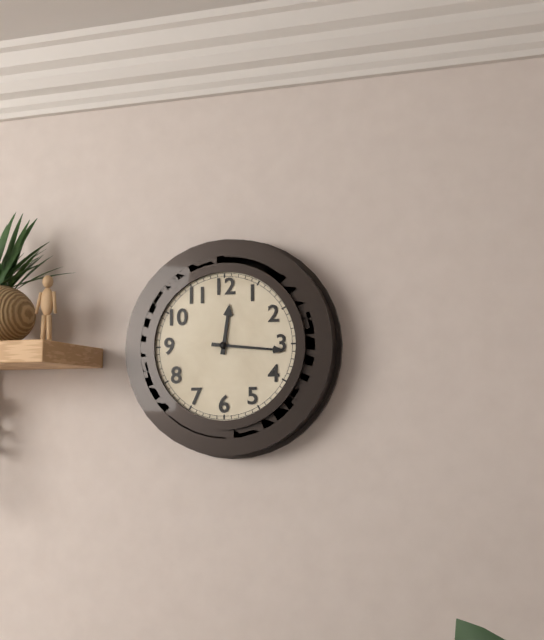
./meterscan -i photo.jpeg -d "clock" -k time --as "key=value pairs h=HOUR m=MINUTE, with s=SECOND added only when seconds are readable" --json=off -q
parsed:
h=12 m=16
